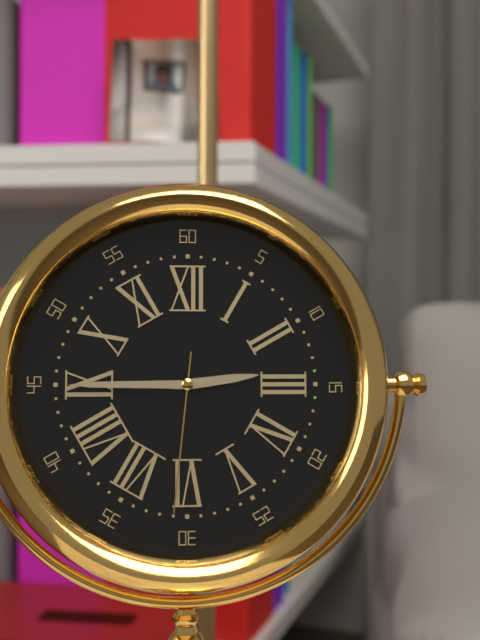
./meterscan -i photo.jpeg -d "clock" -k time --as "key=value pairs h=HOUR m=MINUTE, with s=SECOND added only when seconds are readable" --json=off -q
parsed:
h=2 m=45 s=31
